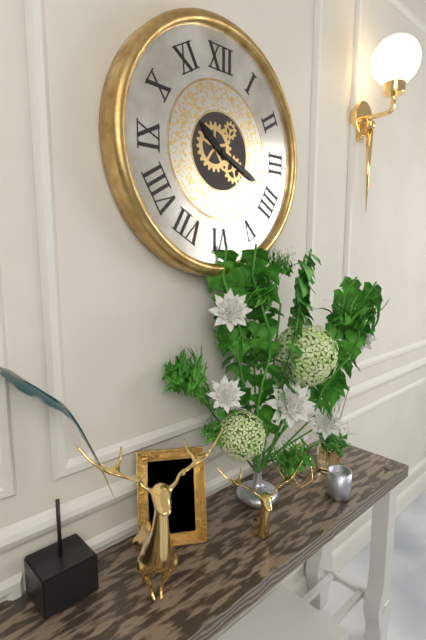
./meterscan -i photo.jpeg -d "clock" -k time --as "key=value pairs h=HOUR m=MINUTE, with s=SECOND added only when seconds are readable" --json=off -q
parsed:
h=10 m=19
